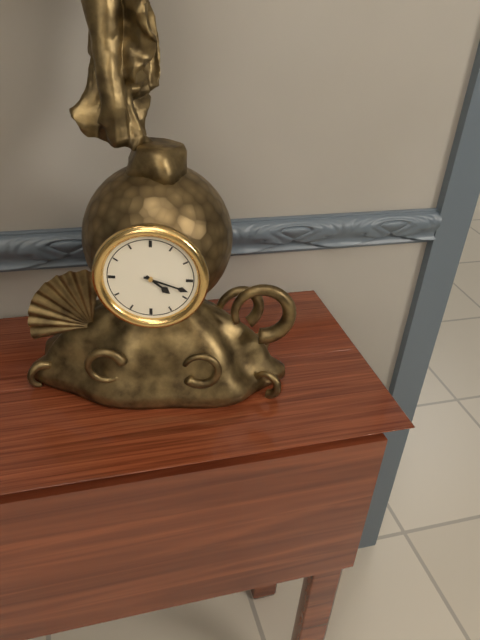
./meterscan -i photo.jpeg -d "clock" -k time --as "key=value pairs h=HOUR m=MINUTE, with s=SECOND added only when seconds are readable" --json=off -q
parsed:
h=4 m=18
